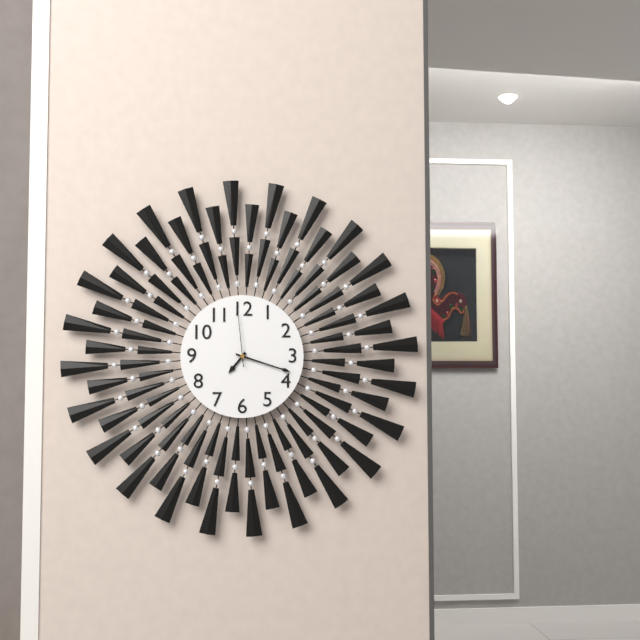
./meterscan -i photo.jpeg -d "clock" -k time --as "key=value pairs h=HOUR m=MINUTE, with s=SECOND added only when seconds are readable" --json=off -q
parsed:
h=7 m=18 s=59
